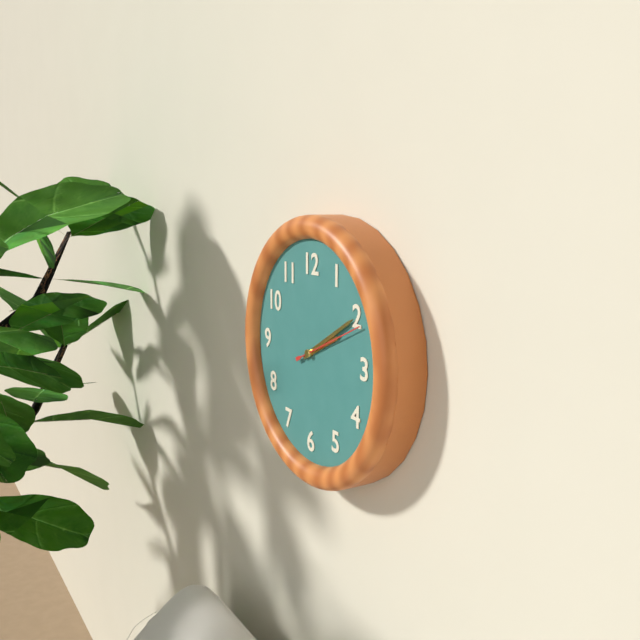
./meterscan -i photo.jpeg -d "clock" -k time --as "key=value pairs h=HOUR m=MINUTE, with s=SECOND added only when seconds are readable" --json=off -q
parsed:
h=2 m=10 s=11
